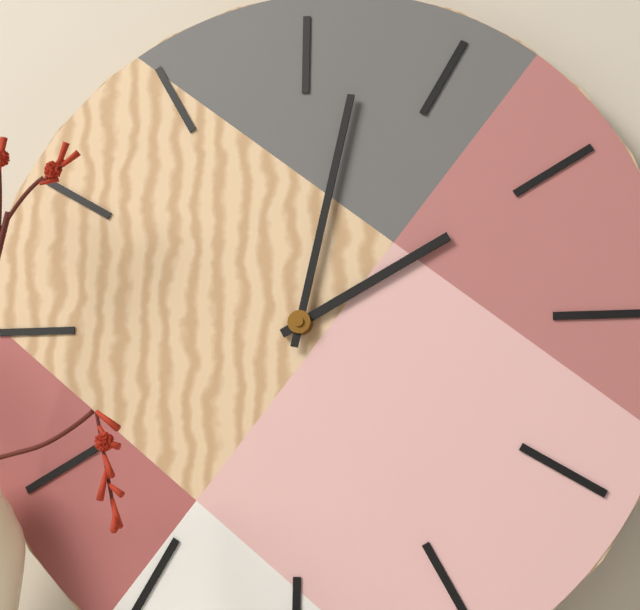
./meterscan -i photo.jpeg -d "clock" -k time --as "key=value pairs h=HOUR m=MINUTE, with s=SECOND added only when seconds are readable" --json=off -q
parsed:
h=2 m=2
